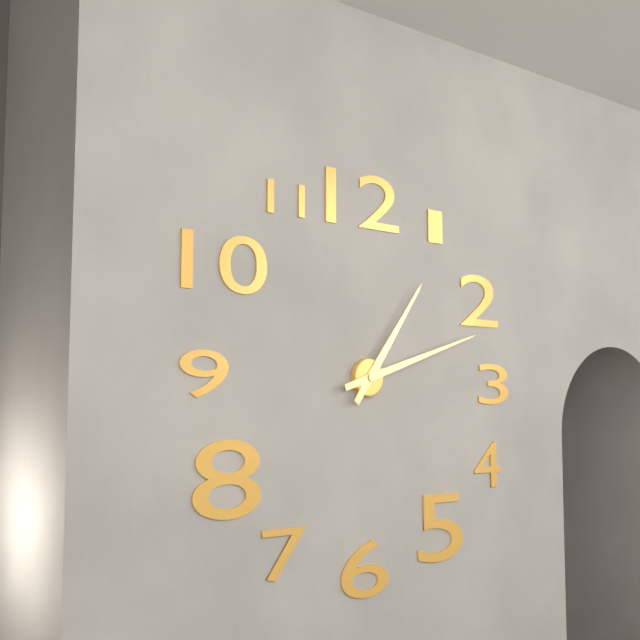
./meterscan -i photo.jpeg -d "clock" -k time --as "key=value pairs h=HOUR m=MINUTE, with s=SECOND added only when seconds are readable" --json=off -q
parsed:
h=1 m=12
